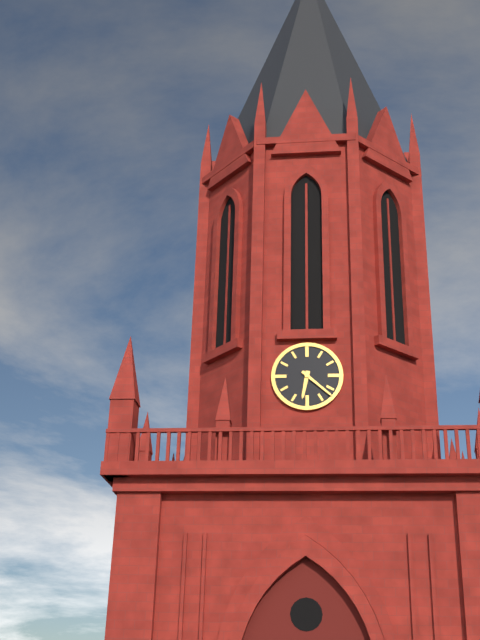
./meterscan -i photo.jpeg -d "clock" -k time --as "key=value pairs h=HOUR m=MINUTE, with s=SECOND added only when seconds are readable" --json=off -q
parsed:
h=6 m=22
